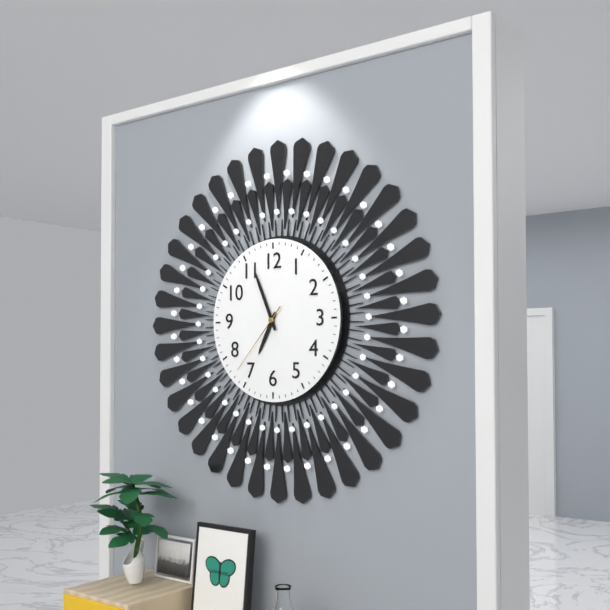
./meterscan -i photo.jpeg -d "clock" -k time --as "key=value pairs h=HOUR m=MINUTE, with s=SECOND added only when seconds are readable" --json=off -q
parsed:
h=6 m=56 s=37
